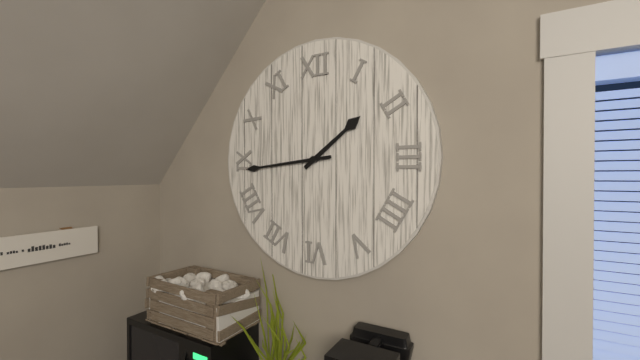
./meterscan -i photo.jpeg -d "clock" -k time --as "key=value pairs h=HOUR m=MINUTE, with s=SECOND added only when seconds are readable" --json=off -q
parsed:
h=1 m=44
